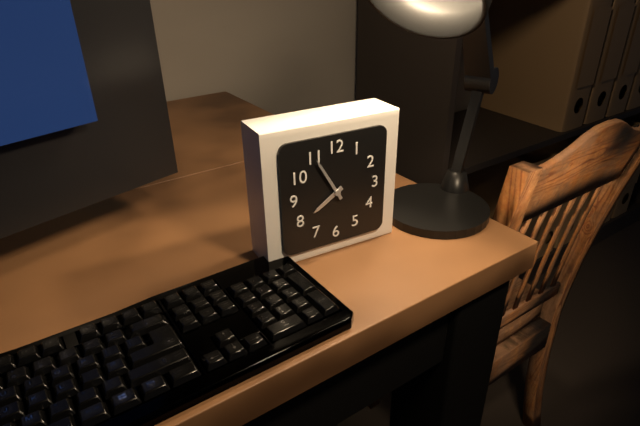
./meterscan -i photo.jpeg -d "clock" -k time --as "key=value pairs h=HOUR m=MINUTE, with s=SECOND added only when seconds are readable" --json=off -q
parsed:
h=7 m=55
